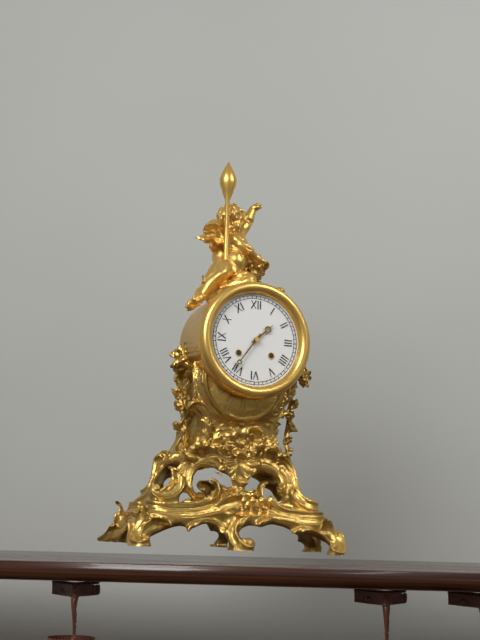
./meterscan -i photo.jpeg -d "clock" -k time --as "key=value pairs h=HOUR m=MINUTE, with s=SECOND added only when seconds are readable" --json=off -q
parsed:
h=1 m=36
